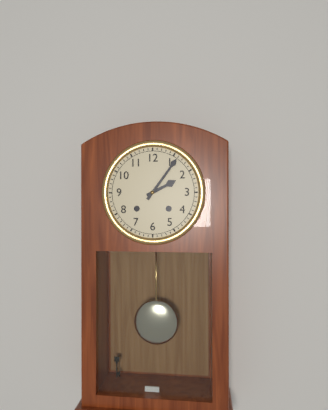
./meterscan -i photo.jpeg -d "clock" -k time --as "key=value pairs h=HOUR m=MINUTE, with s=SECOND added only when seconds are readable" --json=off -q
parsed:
h=2 m=6
